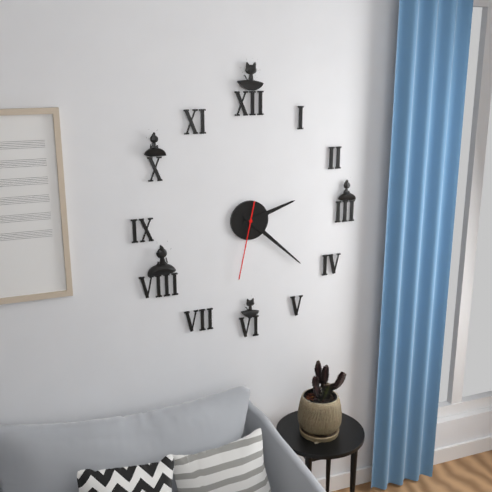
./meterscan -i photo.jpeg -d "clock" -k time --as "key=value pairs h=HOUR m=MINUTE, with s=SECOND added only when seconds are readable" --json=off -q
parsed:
h=2 m=22 s=32
